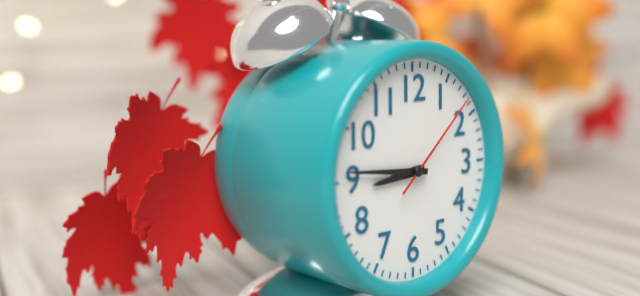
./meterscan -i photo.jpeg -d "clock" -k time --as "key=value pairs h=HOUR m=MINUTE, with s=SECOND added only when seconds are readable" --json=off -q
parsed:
h=8 m=46 s=8
